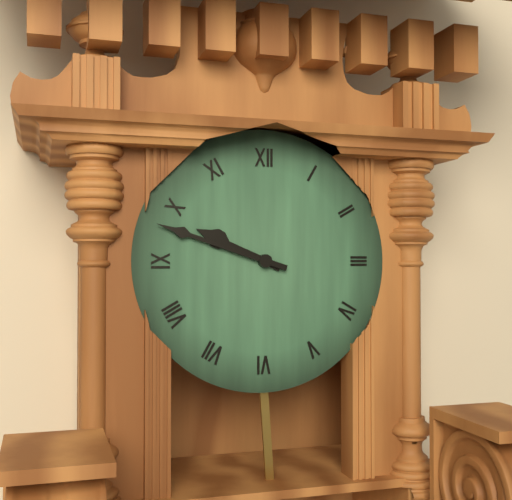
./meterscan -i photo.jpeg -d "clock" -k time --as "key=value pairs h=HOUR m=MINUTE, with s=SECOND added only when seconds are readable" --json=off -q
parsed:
h=9 m=48
